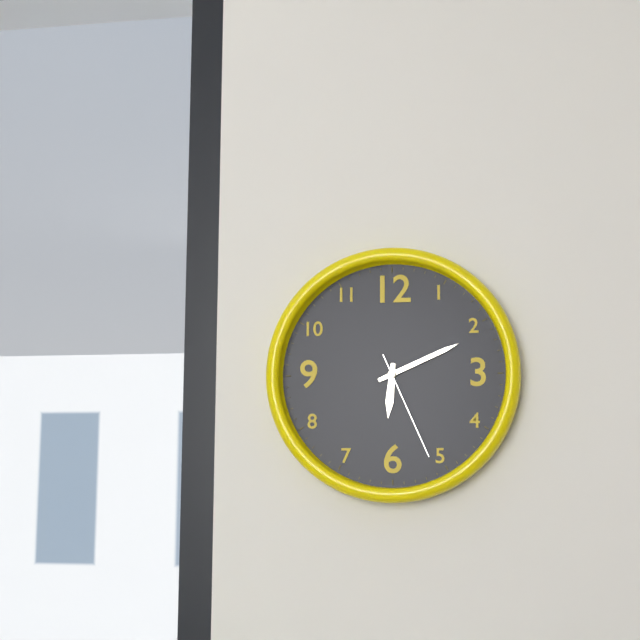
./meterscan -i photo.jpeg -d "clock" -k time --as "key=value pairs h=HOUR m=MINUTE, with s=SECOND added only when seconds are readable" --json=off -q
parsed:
h=6 m=11 s=26
